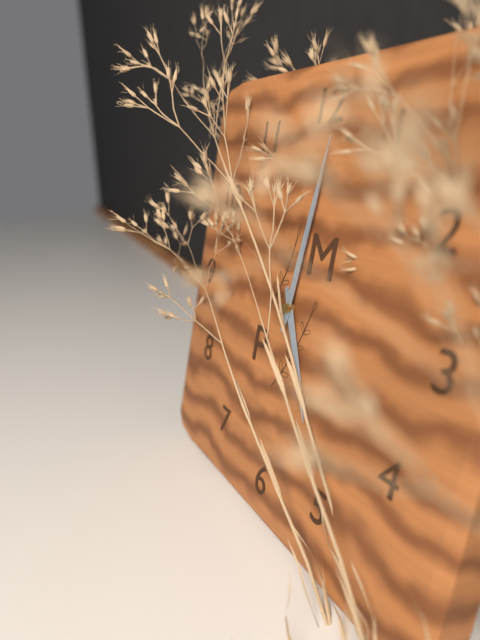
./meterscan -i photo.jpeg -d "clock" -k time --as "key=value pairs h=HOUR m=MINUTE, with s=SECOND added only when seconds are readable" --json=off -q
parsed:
h=5 m=1
